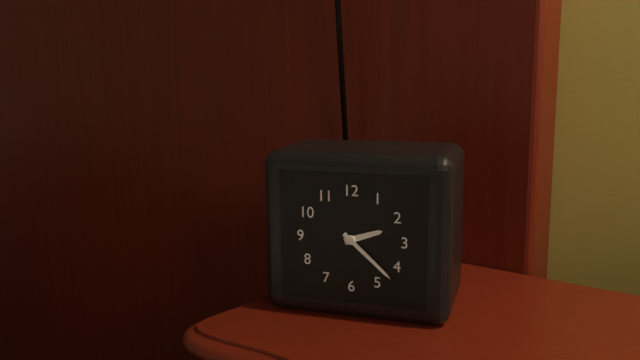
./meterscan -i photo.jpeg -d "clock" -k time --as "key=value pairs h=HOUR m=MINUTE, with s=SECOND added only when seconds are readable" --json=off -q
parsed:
h=2 m=22
